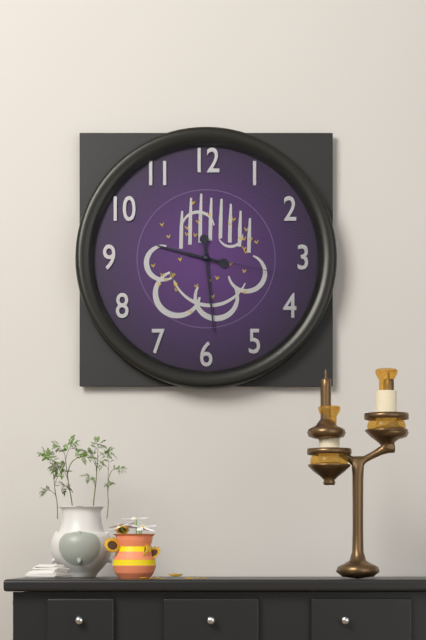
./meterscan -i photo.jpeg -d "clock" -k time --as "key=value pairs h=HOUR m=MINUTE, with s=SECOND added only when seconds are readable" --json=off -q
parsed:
h=9 m=29 s=17
